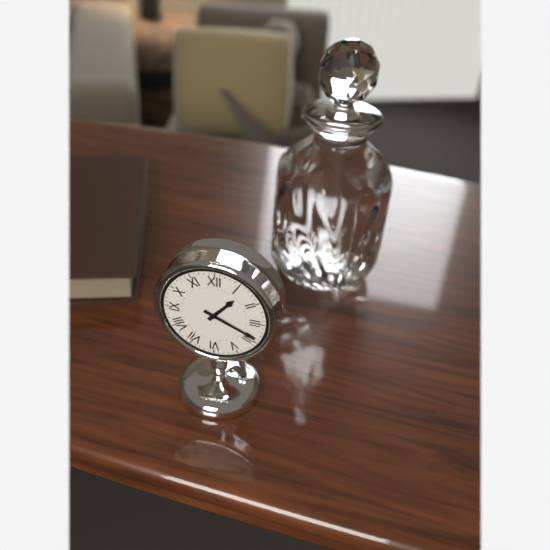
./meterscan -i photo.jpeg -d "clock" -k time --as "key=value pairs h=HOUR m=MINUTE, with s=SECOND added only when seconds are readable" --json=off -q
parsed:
h=1 m=19
